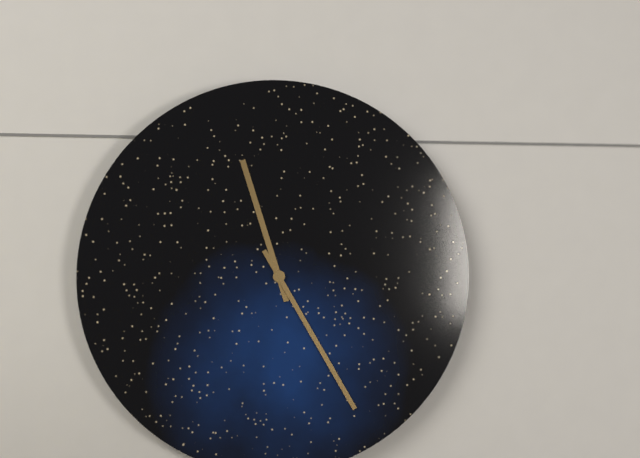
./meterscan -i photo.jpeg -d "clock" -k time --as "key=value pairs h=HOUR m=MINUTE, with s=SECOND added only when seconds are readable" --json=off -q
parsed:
h=11 m=25
